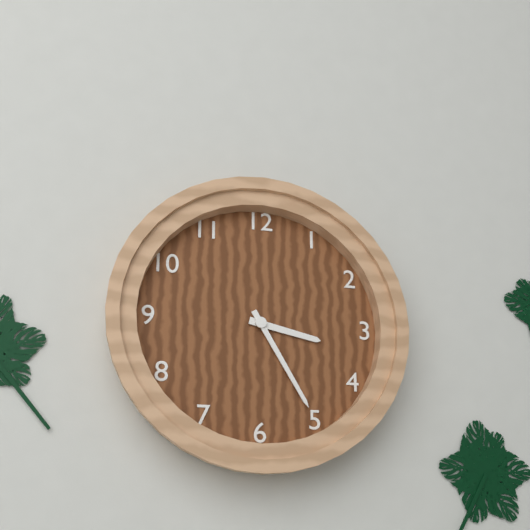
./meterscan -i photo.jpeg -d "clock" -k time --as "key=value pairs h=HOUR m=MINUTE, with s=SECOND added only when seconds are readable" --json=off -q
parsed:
h=3 m=25
